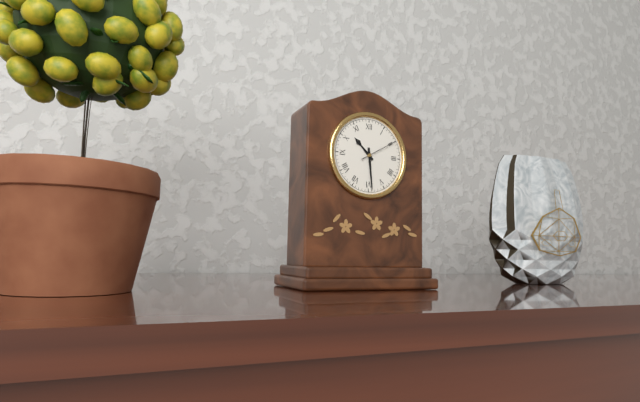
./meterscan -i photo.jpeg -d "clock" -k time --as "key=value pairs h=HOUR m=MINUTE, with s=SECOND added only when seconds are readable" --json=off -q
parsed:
h=10 m=29
